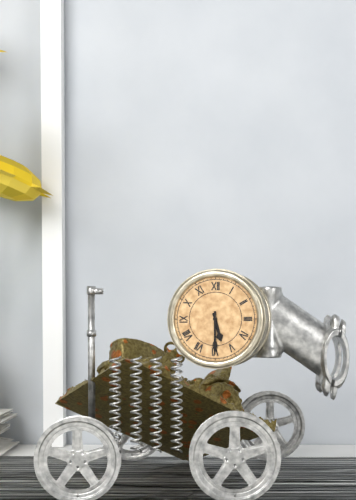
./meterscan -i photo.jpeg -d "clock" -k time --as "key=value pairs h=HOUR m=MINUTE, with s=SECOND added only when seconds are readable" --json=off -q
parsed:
h=5 m=30
